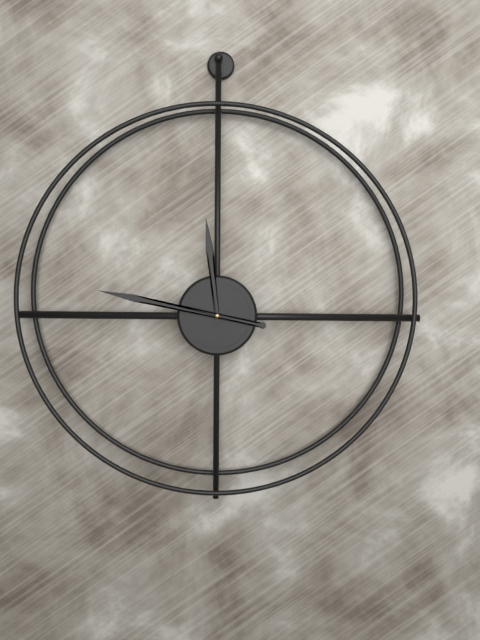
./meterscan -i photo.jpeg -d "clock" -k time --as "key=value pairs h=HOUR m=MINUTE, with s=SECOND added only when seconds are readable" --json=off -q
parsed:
h=11 m=47
